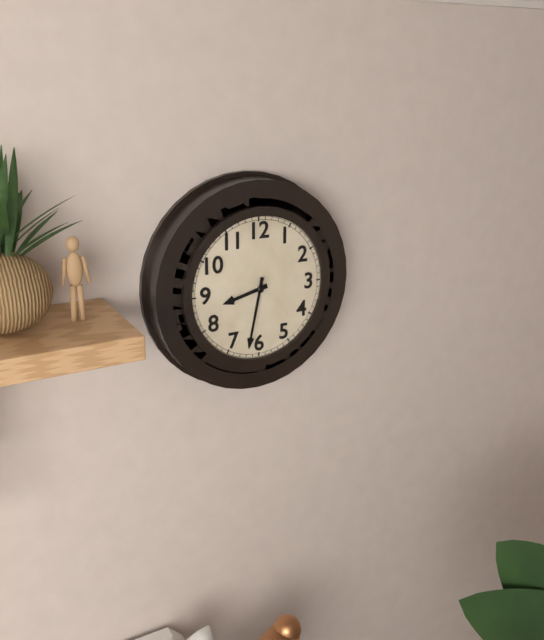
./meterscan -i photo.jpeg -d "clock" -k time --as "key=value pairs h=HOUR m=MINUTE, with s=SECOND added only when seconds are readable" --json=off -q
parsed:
h=8 m=32
